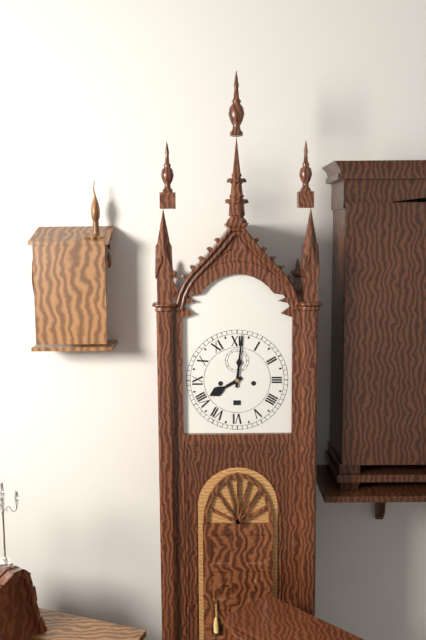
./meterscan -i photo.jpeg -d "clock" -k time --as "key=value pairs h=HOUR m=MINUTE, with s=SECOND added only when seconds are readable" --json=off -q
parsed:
h=8 m=1
